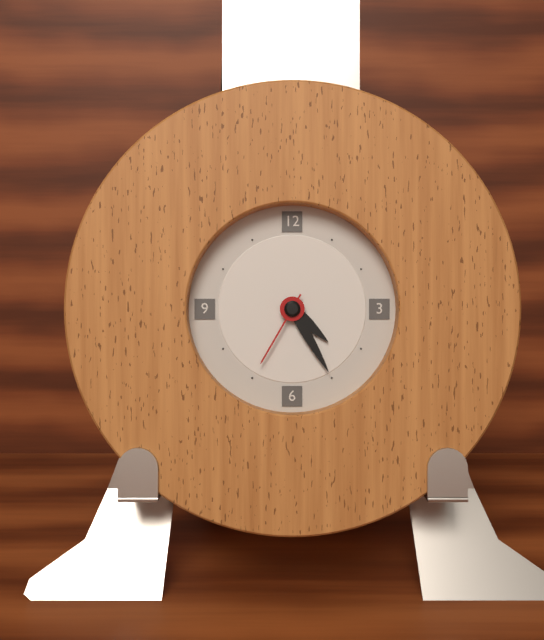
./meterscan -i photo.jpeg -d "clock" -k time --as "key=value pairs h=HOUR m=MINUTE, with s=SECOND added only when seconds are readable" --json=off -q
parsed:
h=4 m=25 s=35
